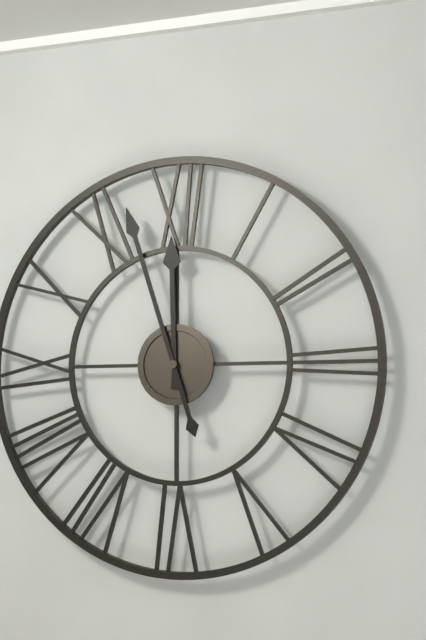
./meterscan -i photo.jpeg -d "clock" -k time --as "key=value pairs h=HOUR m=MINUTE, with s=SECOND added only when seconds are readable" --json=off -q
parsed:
h=11 m=57
